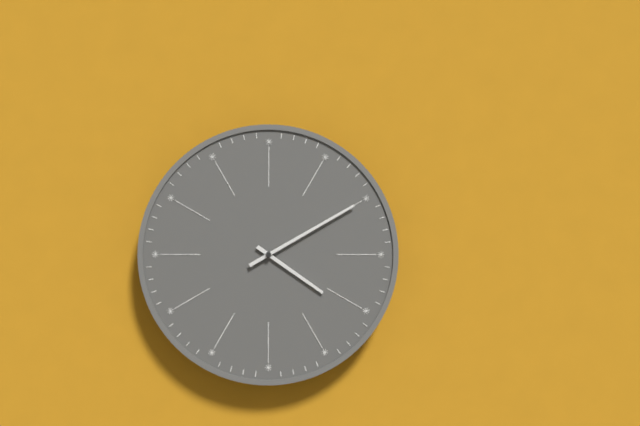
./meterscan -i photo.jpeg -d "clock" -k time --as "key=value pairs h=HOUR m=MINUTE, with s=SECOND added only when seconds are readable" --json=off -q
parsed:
h=4 m=10
